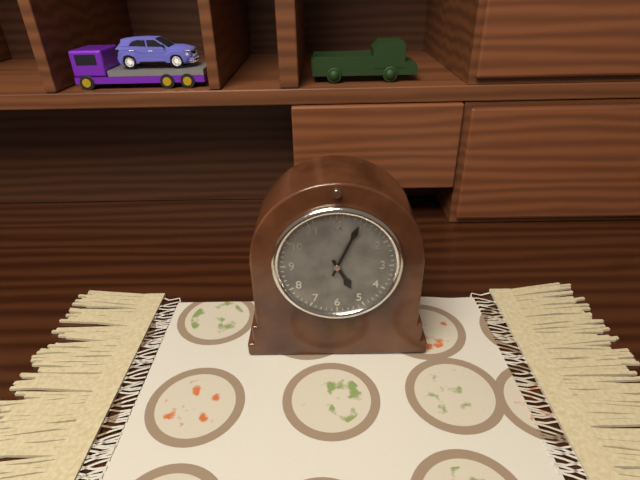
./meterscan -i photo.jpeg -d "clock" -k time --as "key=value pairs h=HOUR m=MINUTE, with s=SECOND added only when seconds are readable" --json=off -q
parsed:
h=5 m=4
